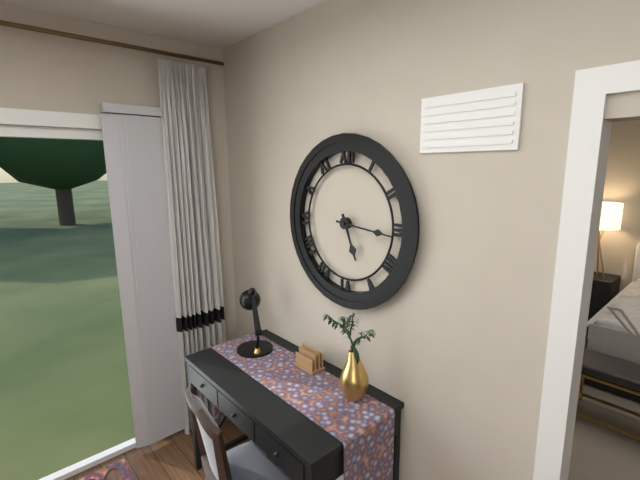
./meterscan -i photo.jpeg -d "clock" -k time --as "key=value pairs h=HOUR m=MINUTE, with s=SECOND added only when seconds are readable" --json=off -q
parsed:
h=5 m=16
